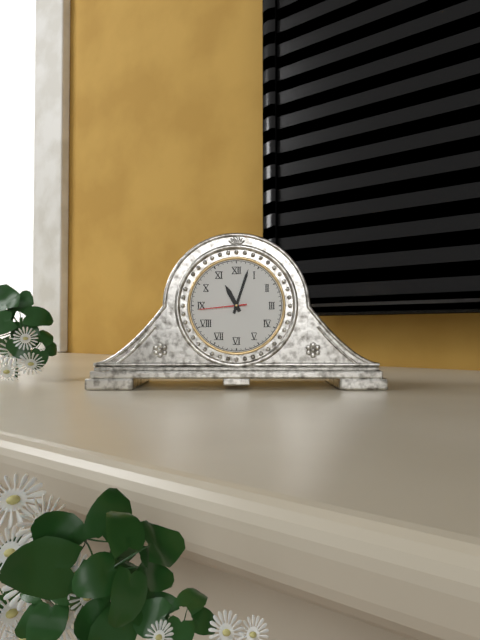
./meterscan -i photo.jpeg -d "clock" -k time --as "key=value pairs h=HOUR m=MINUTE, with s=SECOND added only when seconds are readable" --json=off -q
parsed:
h=11 m=3
